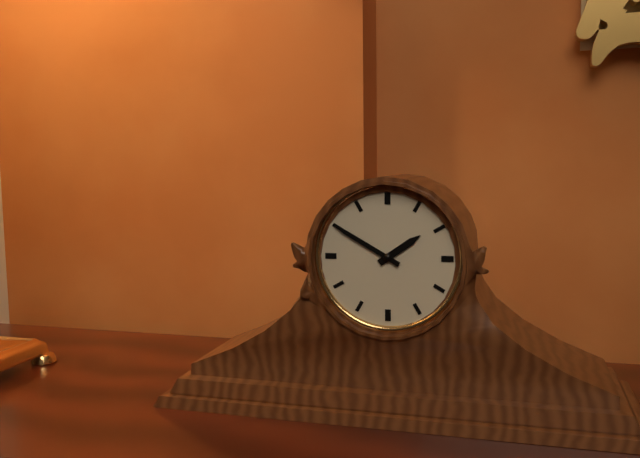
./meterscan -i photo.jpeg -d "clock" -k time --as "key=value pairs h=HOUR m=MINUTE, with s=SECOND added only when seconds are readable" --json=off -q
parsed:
h=1 m=50
